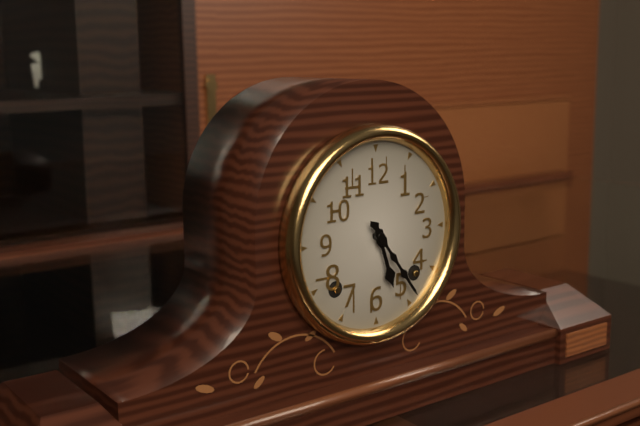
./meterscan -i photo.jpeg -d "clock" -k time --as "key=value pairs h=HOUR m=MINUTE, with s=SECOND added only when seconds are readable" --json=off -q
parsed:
h=5 m=24
